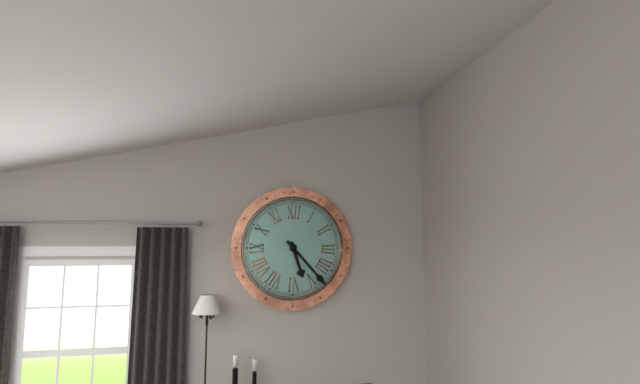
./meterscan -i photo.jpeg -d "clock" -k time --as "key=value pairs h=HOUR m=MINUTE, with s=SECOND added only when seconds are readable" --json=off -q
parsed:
h=5 m=23
